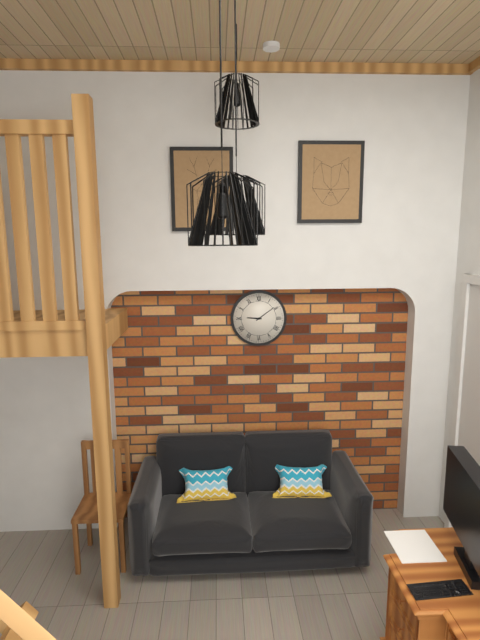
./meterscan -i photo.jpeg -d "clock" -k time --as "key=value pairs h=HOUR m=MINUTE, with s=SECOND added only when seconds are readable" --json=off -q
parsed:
h=9 m=9
